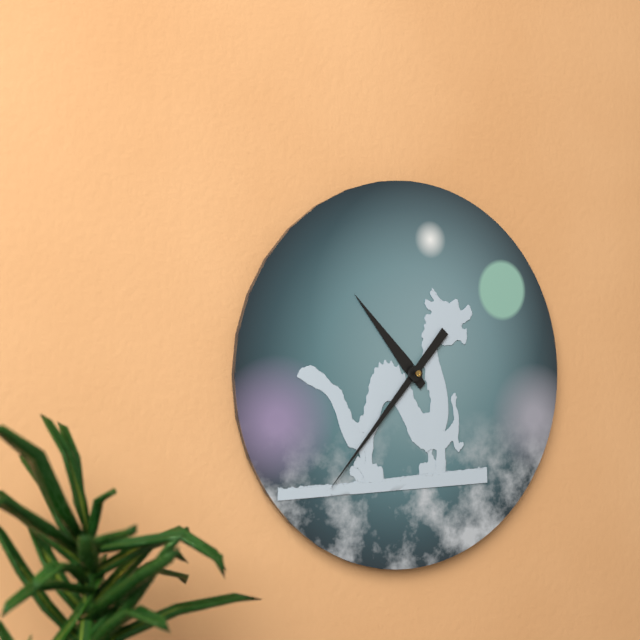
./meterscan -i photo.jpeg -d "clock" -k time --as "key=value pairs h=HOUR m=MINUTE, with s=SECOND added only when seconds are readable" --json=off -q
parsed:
h=10 m=37
